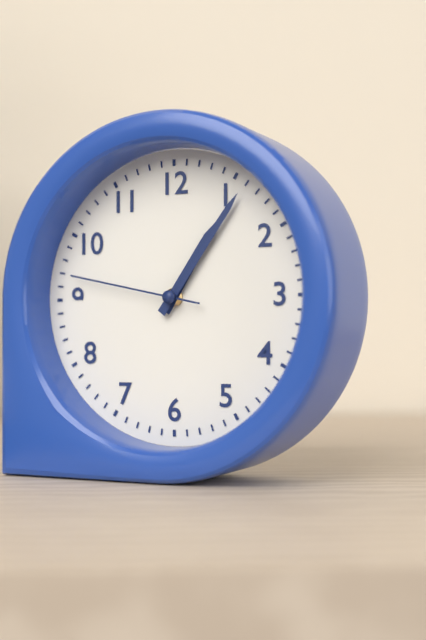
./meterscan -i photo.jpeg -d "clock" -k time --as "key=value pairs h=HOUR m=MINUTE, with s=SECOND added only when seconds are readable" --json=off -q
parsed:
h=1 m=6 s=47
